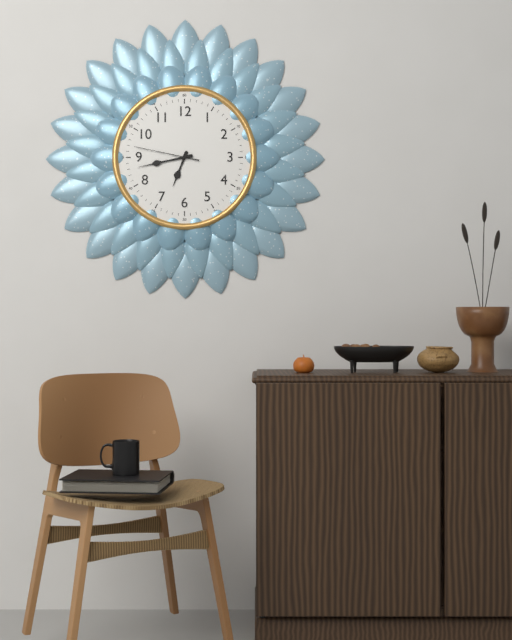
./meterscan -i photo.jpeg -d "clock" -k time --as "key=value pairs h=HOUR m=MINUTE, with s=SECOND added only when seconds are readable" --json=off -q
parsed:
h=6 m=43 s=47
